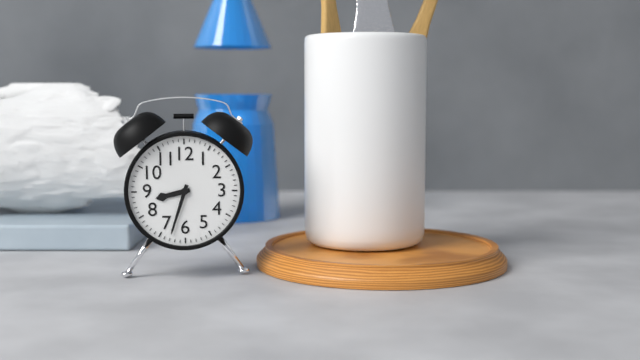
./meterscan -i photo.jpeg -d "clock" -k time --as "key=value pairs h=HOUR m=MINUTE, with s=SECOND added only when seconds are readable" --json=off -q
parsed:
h=8 m=33
